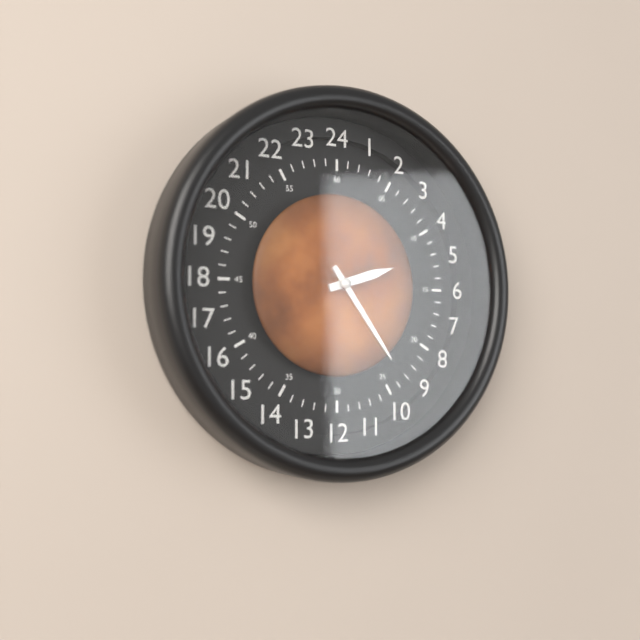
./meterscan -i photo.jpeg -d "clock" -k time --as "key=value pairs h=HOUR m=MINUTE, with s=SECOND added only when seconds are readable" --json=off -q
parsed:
h=2 m=24
